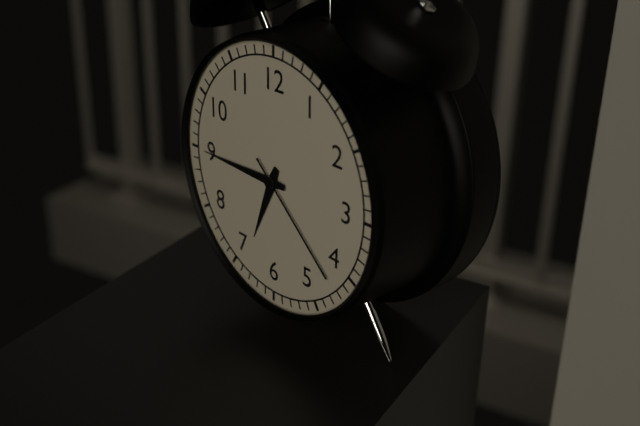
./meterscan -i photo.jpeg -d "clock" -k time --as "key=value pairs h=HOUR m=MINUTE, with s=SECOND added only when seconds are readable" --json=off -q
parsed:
h=6 m=45 s=22
